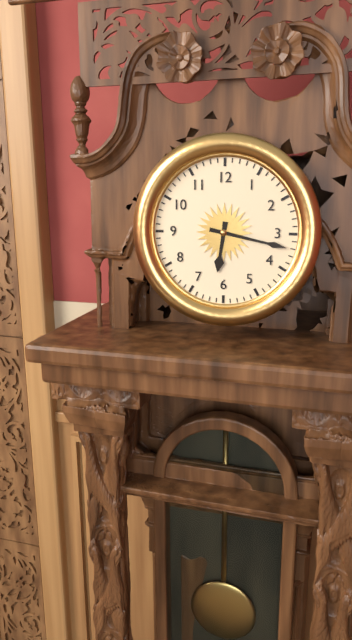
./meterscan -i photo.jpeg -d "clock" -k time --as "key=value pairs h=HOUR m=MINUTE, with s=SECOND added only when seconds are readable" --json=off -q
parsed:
h=6 m=17
